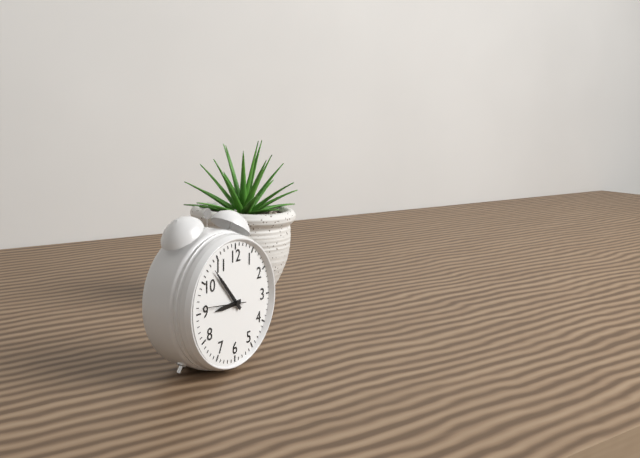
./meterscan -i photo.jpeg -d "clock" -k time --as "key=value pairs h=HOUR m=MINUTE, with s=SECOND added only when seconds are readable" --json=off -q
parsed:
h=8 m=53
